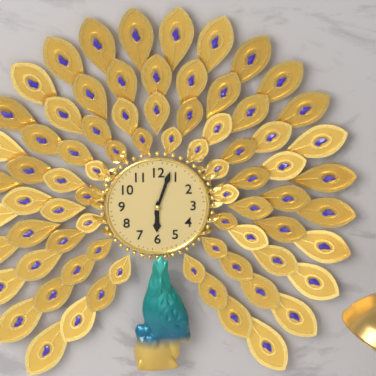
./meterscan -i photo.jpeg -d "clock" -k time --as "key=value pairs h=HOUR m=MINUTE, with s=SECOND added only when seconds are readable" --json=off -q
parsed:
h=6 m=3
